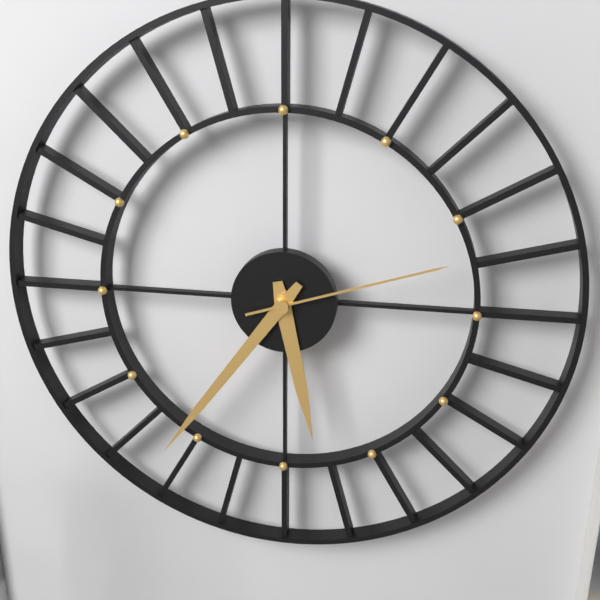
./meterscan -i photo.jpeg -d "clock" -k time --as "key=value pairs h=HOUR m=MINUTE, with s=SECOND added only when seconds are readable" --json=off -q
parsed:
h=5 m=36 s=12
